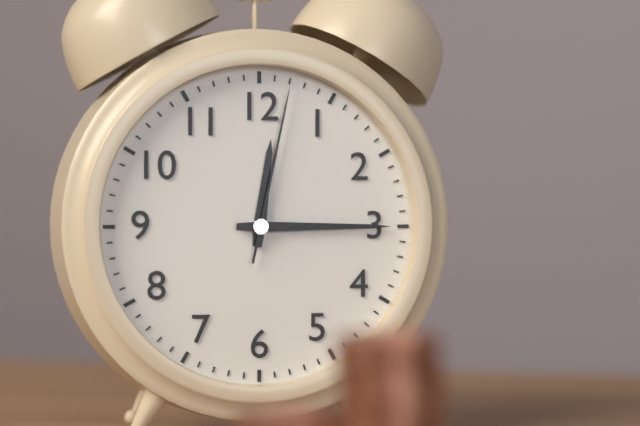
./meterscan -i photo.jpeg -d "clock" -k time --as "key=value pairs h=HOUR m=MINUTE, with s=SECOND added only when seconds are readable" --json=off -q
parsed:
h=12 m=15 s=2
